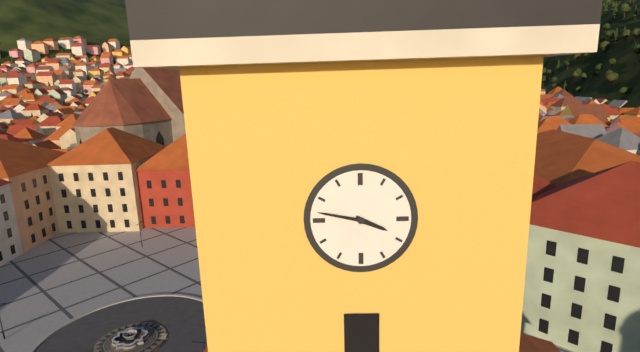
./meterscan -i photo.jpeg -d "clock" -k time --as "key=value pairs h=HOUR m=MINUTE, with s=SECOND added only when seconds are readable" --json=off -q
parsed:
h=3 m=47
